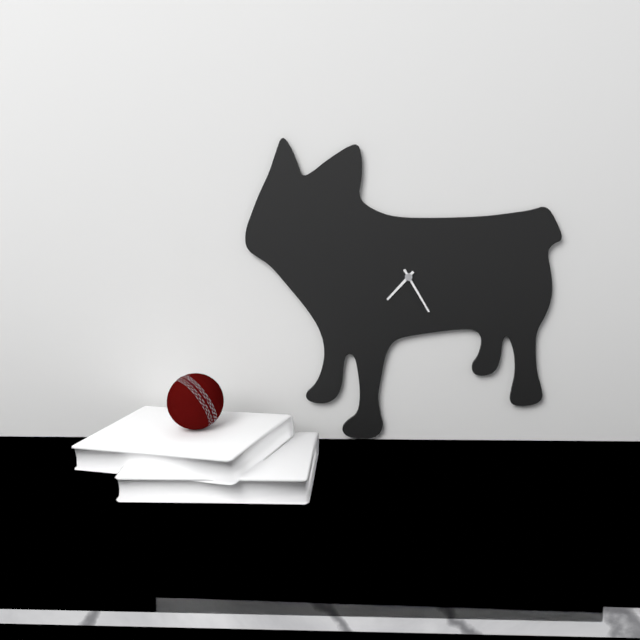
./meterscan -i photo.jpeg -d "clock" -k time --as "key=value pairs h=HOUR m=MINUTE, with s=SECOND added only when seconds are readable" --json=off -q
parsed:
h=7 m=25
